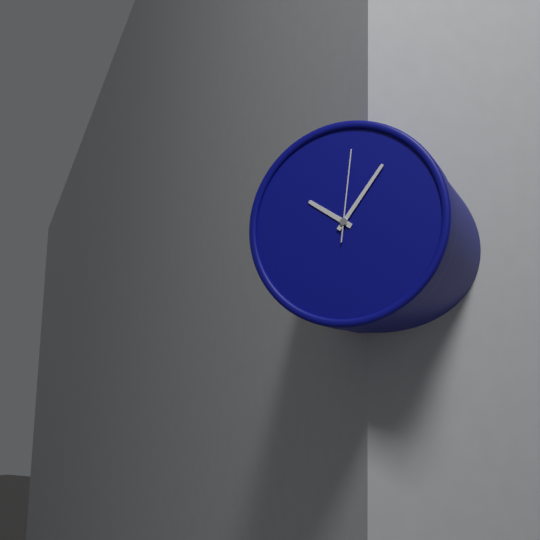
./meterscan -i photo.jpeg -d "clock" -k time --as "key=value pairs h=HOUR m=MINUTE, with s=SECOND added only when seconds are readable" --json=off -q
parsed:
h=10 m=6 s=1
